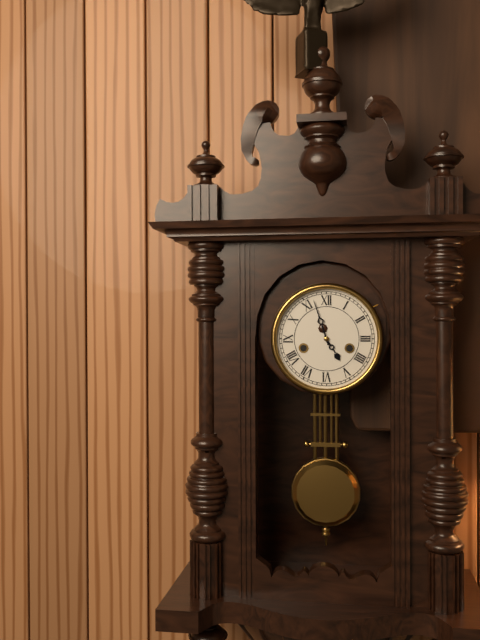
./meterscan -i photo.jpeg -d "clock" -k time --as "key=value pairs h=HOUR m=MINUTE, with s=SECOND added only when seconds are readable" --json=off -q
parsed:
h=4 m=57
